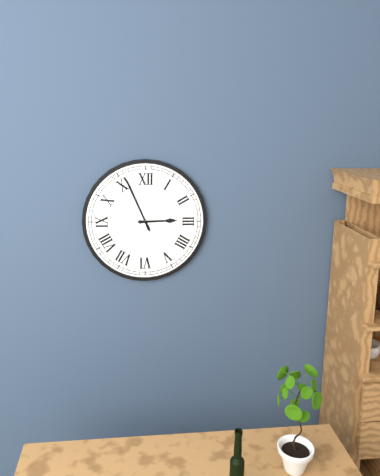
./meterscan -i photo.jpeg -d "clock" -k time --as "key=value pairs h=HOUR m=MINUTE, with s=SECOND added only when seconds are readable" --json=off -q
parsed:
h=2 m=56
